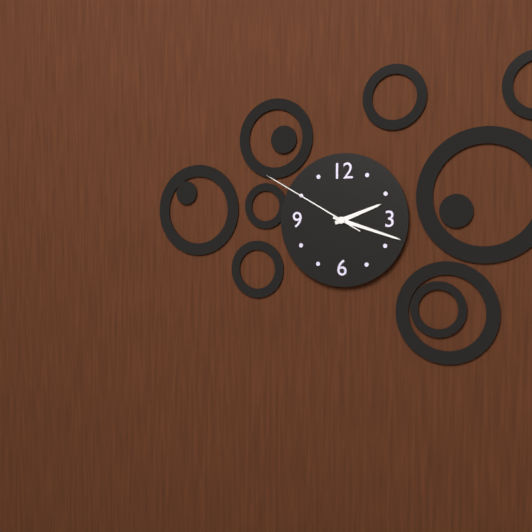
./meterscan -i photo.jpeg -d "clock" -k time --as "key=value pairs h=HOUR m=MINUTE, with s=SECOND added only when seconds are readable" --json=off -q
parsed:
h=2 m=18 s=50
